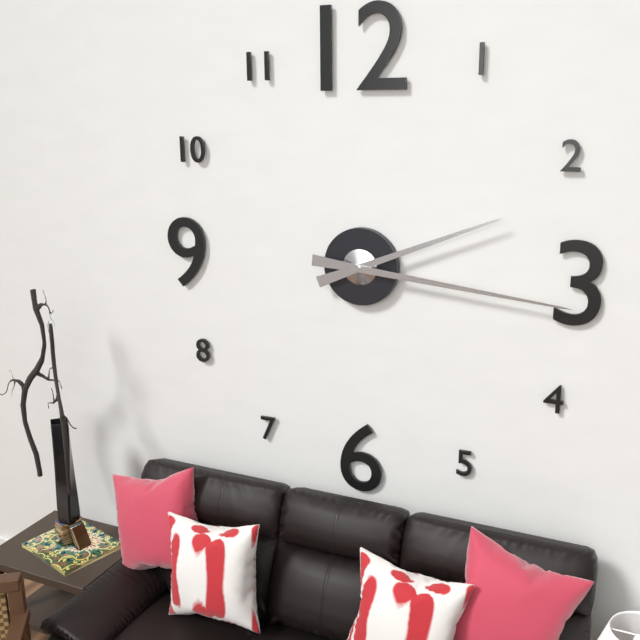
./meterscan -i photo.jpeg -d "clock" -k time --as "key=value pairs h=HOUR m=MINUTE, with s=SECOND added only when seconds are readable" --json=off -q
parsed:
h=2 m=16
